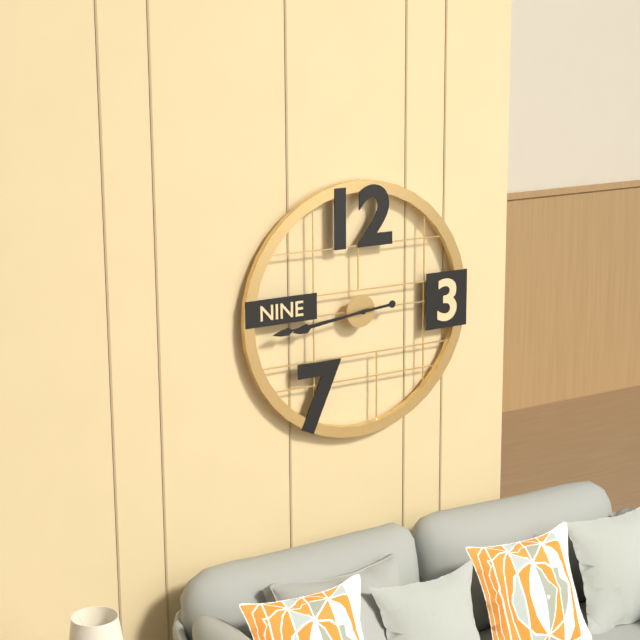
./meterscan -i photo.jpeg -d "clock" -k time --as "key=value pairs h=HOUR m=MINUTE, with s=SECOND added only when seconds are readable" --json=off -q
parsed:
h=8 m=44
